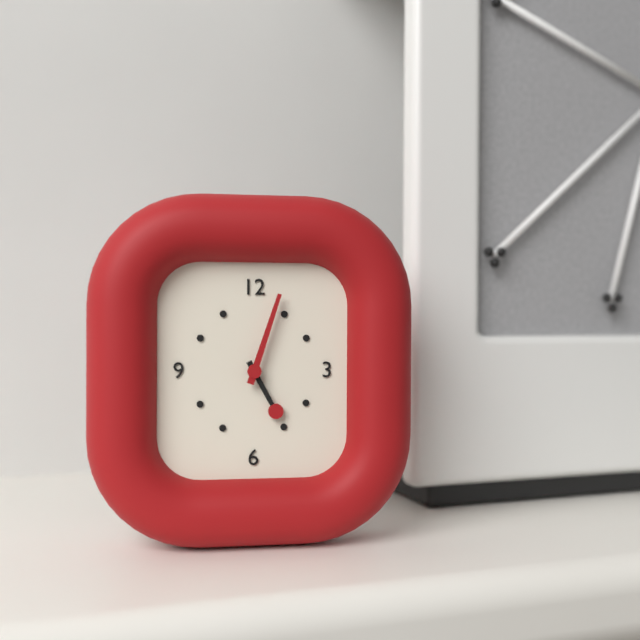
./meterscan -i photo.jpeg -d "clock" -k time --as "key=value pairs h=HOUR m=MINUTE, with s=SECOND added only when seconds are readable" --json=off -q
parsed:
h=5 m=3
